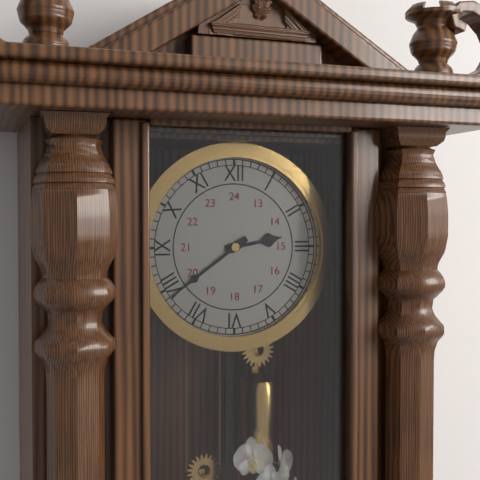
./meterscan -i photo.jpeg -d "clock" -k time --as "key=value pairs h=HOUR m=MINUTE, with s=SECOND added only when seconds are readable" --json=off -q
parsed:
h=2 m=39
